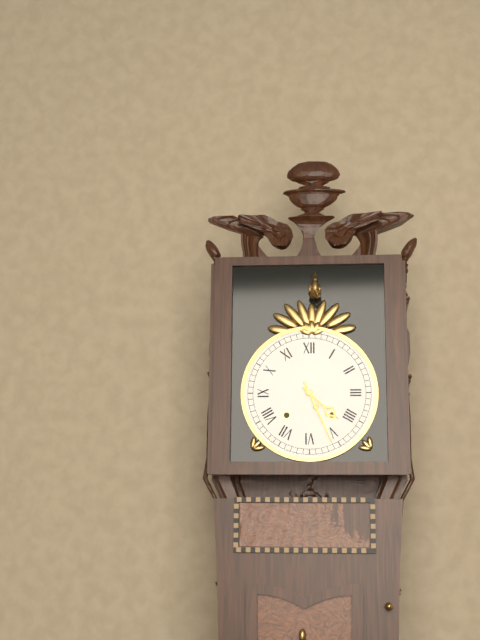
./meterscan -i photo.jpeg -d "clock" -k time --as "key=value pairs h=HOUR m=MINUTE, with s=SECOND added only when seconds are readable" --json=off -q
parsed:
h=4 m=26
